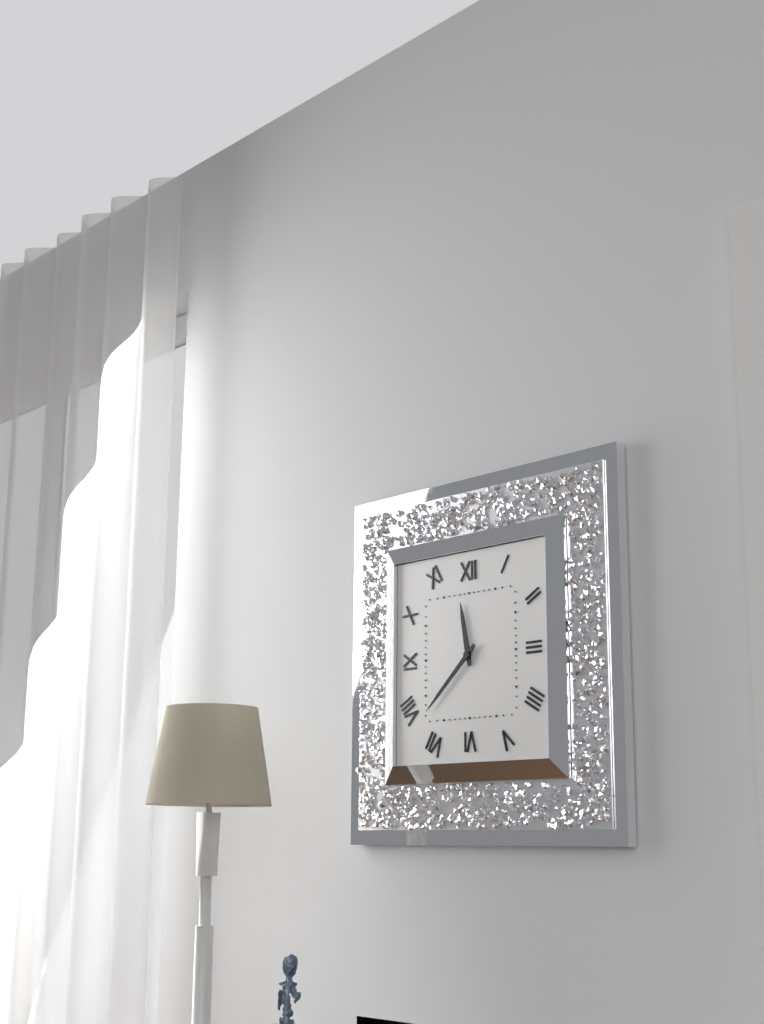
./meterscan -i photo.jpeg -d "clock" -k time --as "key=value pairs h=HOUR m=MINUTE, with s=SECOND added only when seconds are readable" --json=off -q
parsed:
h=11 m=38
